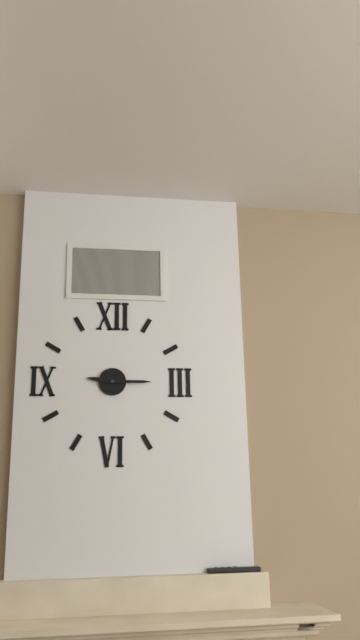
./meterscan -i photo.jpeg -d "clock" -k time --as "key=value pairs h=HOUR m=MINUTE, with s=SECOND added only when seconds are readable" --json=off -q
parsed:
h=9 m=15
